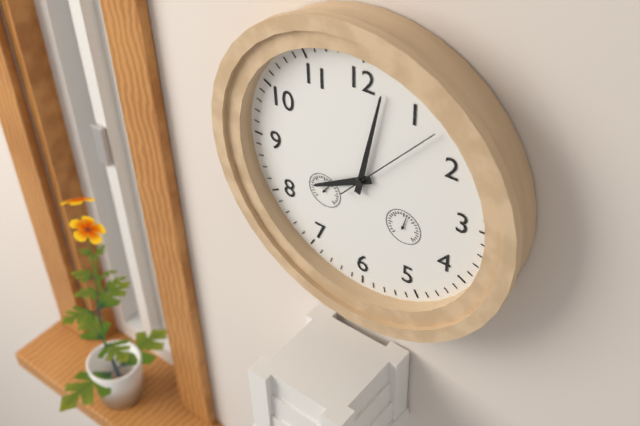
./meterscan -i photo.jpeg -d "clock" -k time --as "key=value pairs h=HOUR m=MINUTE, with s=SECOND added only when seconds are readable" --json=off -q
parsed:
h=8 m=2 s=7
